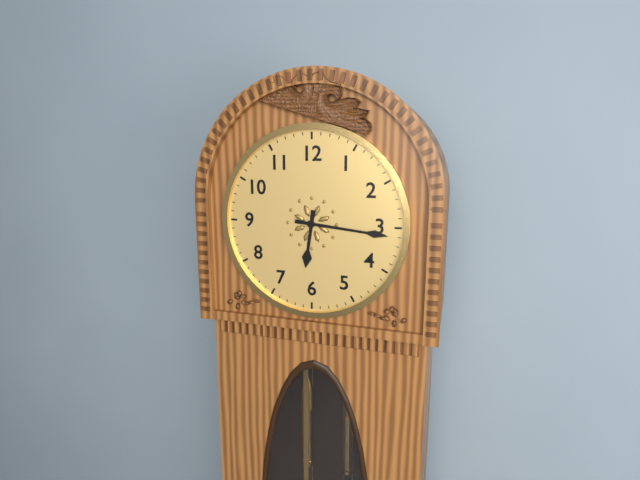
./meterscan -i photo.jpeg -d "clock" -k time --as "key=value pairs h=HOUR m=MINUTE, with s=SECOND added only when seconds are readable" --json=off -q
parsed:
h=6 m=16
